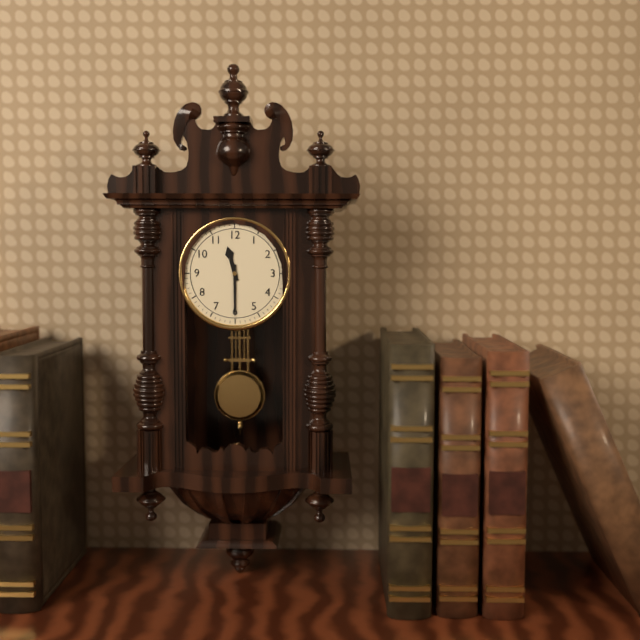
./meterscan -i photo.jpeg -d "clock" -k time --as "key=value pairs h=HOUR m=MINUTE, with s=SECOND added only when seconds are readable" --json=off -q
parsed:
h=11 m=30
